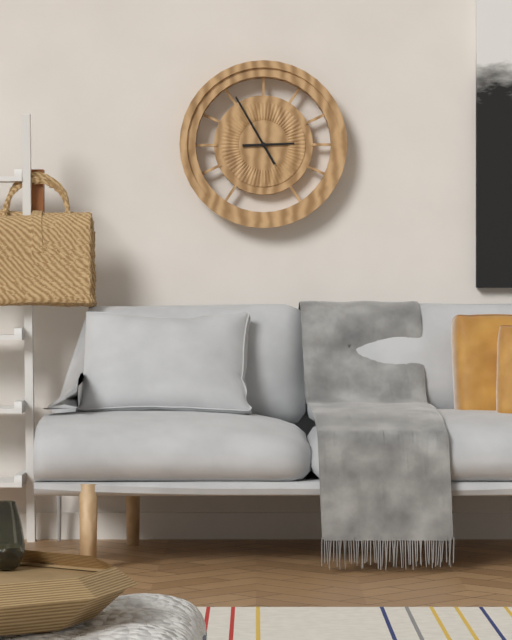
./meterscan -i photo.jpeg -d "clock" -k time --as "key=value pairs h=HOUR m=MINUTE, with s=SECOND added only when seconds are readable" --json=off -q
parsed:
h=2 m=55
